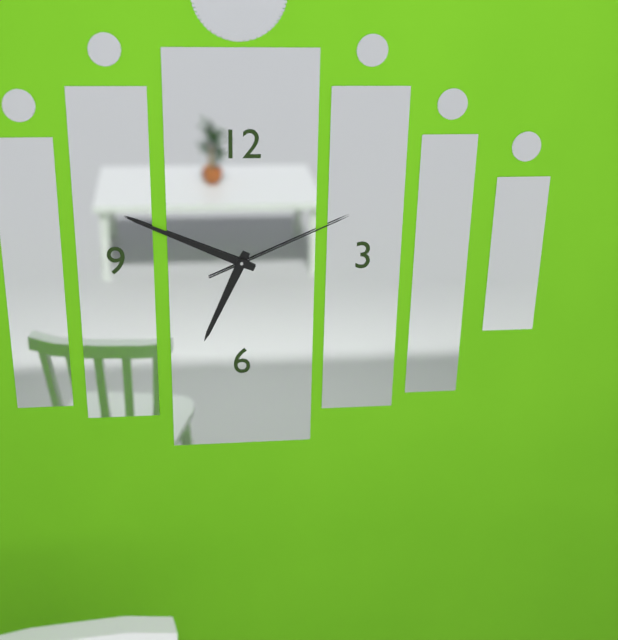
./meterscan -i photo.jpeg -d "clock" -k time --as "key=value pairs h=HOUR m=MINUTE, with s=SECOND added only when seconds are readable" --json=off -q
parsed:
h=6 m=49 s=11
